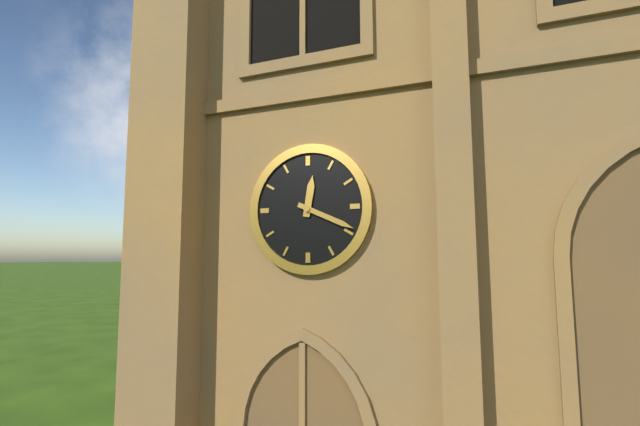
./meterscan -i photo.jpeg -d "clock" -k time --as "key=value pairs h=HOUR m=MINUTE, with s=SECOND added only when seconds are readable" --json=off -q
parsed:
h=12 m=19
